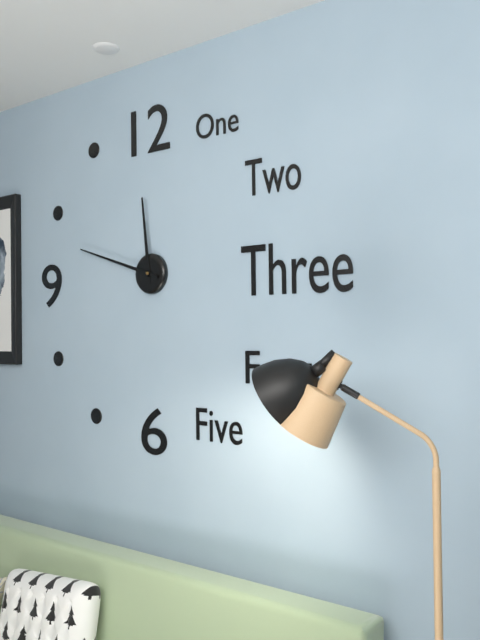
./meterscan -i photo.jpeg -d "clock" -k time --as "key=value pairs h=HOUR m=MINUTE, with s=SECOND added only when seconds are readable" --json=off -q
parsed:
h=11 m=48
